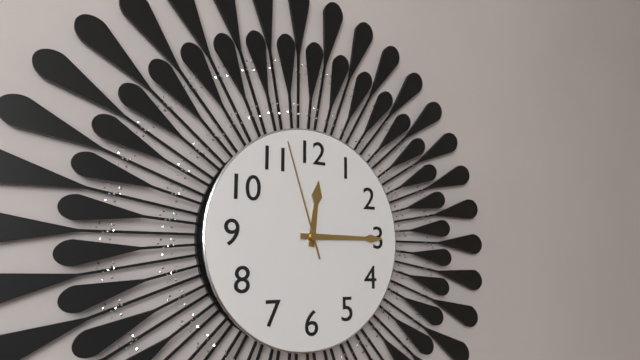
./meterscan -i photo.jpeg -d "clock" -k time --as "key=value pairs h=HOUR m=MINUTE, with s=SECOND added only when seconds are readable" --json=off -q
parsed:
h=12 m=15 s=57
